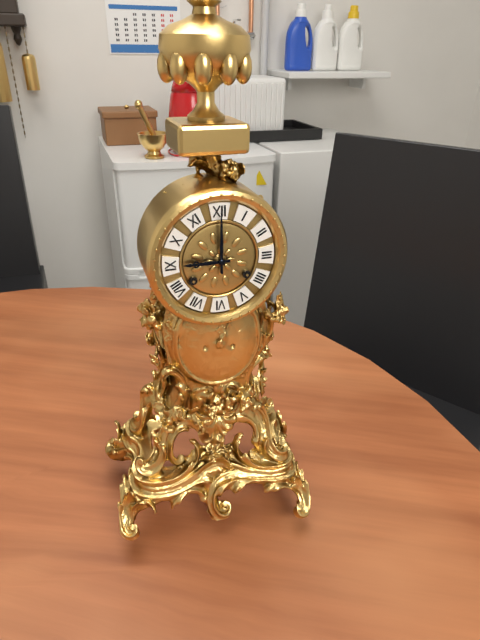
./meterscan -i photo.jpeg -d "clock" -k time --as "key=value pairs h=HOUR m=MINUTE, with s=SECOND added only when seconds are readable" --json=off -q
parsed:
h=9 m=0
